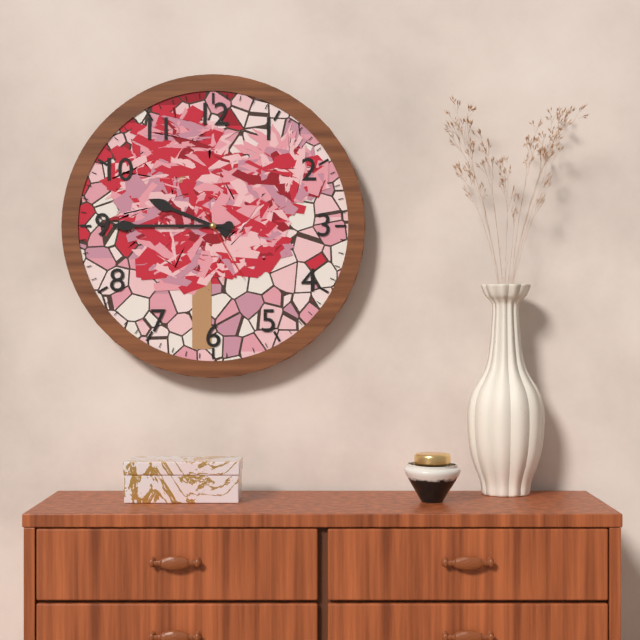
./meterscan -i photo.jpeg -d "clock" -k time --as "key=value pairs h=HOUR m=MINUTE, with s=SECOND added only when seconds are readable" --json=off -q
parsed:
h=9 m=45 s=25
